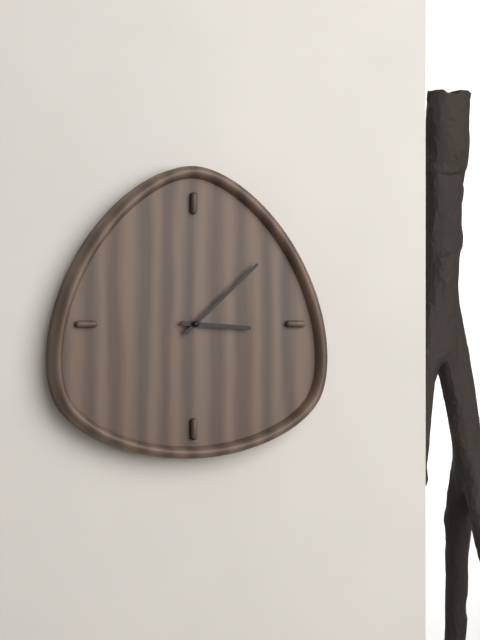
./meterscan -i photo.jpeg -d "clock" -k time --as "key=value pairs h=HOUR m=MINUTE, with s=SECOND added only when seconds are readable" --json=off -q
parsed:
h=3 m=8
